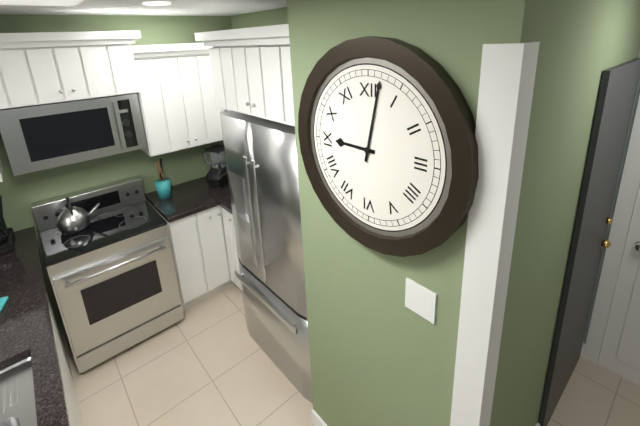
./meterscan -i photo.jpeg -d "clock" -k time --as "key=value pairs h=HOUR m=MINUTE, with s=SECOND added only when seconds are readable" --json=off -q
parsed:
h=9 m=2
